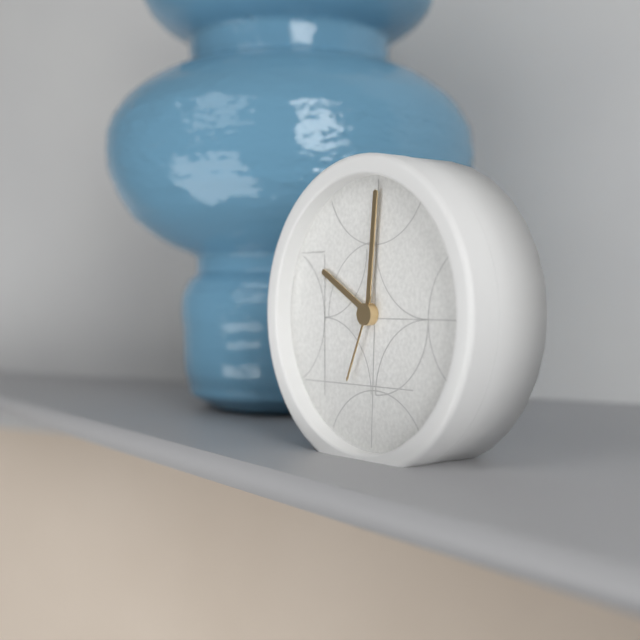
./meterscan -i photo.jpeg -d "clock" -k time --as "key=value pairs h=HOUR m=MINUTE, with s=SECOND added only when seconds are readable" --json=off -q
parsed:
h=10 m=1 s=34
